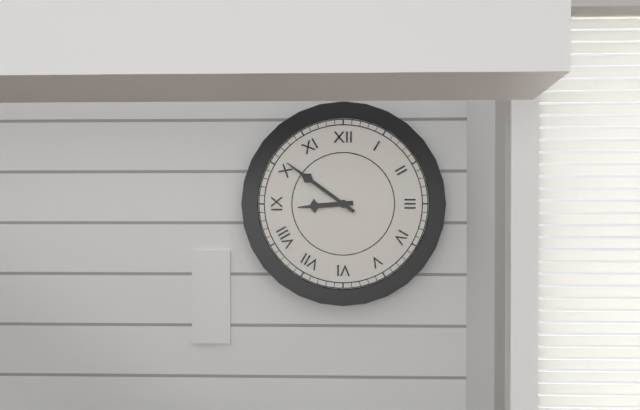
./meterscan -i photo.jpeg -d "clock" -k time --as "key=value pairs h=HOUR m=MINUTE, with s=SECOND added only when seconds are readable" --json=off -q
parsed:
h=8 m=51
